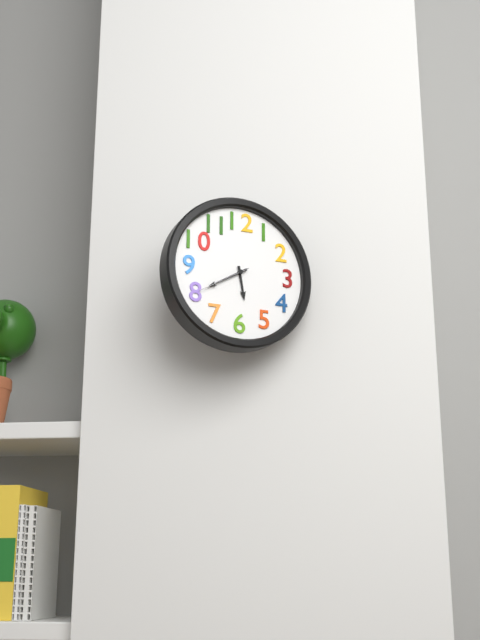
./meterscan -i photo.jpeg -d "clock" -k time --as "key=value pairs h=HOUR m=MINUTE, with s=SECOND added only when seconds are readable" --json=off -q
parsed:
h=5 m=40 s=40
